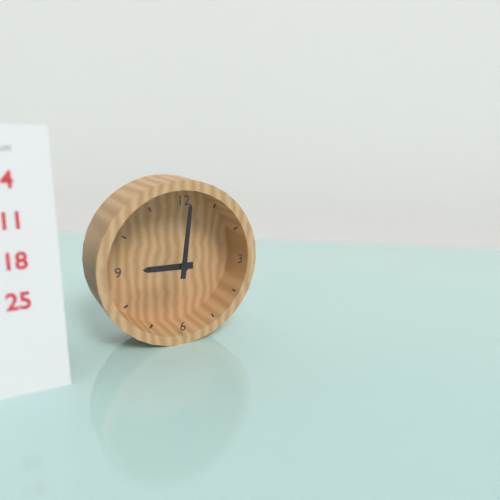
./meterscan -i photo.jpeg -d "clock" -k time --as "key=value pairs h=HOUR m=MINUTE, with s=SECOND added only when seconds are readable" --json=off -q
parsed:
h=9 m=1
